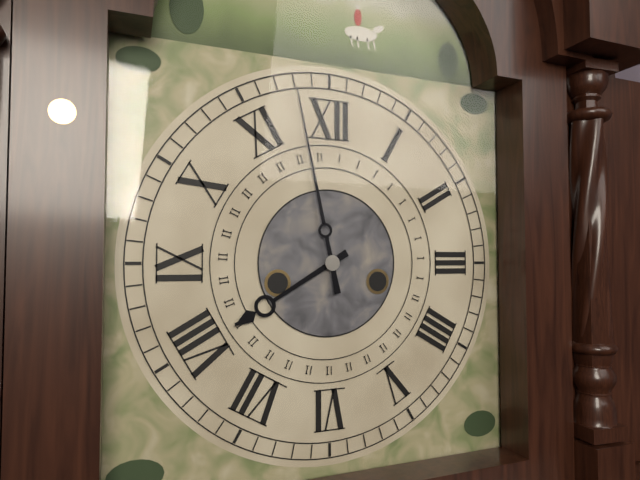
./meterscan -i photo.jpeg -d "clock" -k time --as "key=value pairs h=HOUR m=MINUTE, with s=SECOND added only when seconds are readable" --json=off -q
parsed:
h=7 m=58
